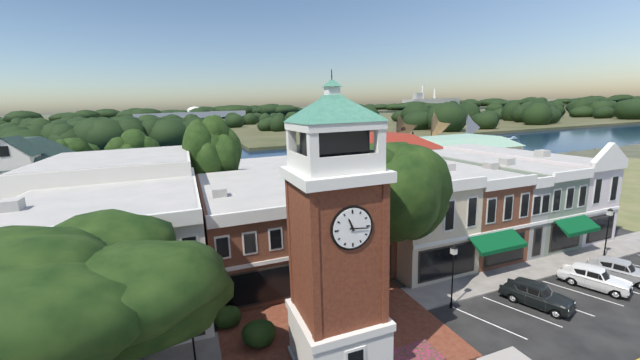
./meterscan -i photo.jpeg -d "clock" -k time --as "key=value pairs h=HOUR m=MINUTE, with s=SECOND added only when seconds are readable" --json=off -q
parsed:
h=11 m=16
